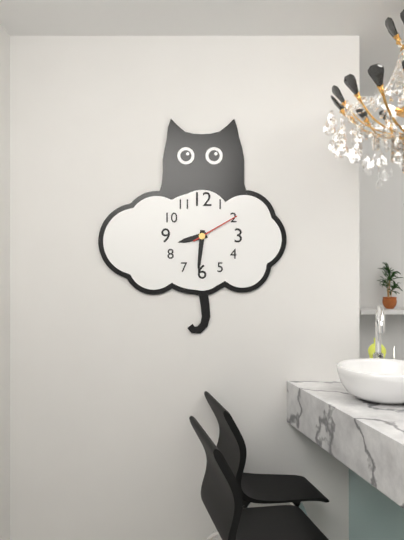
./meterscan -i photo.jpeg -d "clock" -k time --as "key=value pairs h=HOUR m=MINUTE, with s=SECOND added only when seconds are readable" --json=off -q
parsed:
h=8 m=31 s=10
